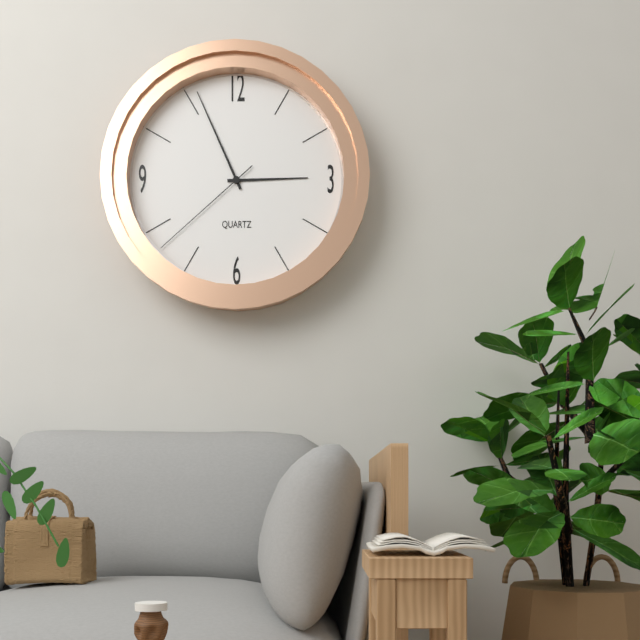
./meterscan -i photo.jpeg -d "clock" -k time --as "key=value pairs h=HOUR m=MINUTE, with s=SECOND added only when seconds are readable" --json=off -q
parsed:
h=2 m=56 s=38
